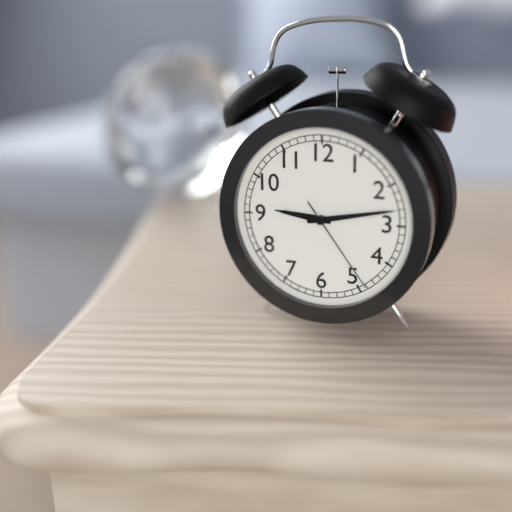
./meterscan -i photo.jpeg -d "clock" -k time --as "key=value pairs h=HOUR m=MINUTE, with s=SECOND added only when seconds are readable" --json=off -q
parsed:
h=9 m=13 s=24
